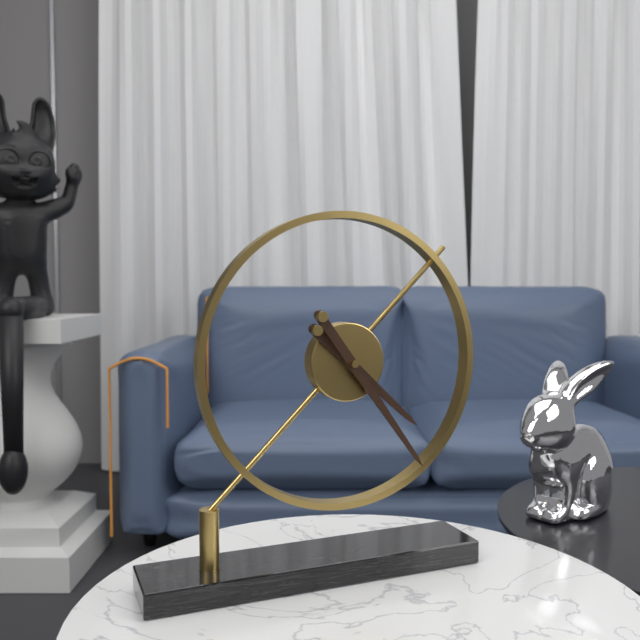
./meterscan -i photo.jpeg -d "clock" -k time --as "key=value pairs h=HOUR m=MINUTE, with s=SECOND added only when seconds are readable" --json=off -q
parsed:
h=4 m=24
